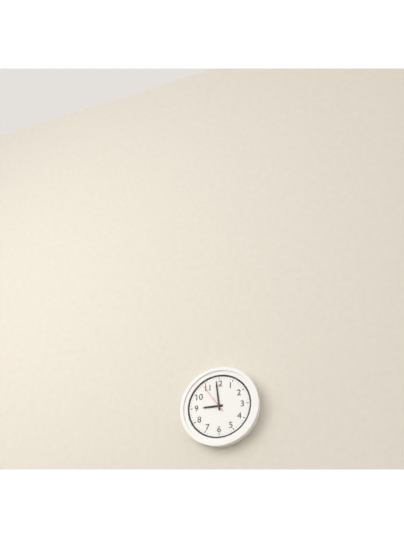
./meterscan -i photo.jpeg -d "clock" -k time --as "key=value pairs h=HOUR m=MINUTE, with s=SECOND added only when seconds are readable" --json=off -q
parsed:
h=8 m=59
